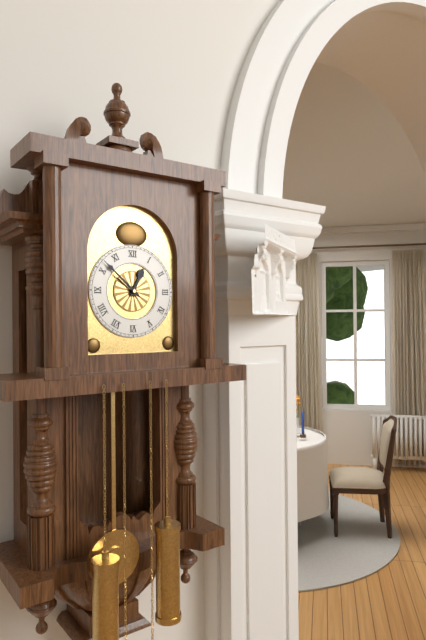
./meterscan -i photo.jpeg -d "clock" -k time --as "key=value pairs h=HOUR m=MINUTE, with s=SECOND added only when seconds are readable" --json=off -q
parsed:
h=12 m=52
